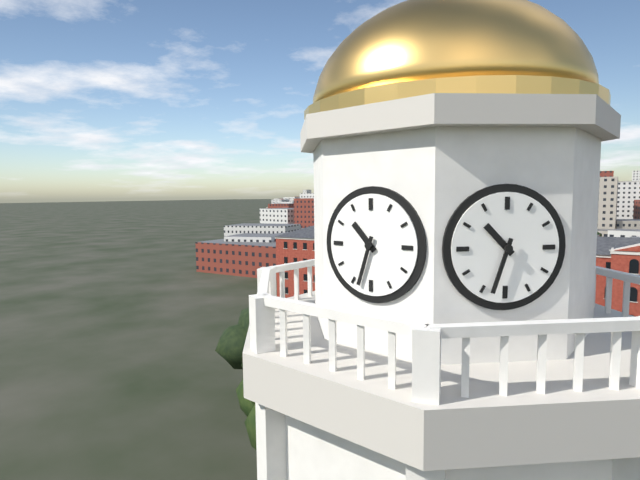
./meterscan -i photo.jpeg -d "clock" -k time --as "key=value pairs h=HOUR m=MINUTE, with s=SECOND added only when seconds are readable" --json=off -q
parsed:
h=10 m=33
